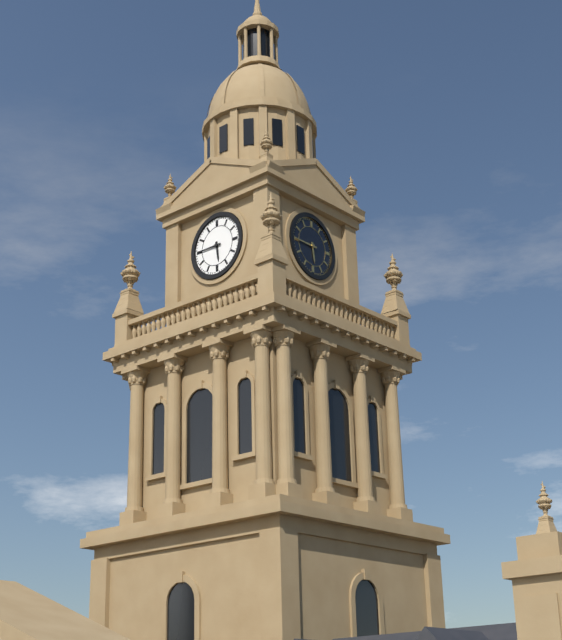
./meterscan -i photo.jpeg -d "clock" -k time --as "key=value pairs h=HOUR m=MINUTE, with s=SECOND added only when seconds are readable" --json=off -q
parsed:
h=5 m=45
